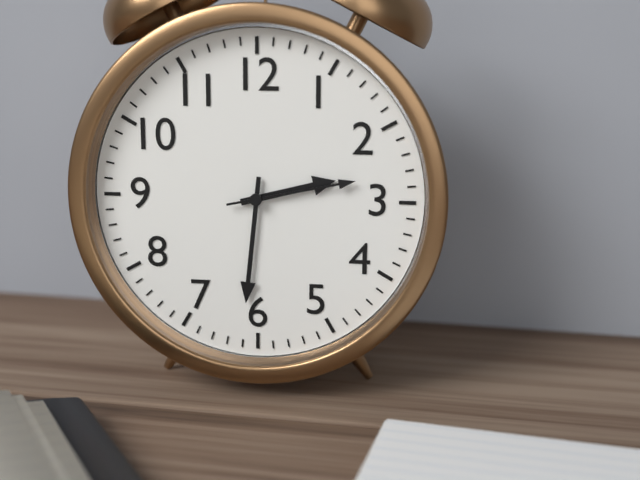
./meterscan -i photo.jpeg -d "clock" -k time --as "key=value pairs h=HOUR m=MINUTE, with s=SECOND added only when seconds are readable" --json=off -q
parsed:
h=2 m=31 s=13
